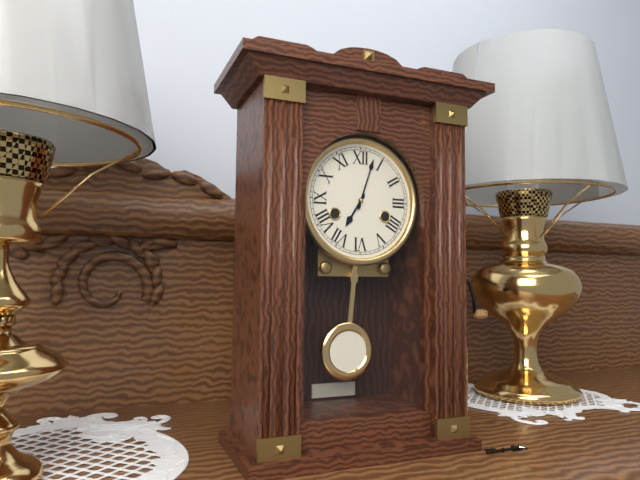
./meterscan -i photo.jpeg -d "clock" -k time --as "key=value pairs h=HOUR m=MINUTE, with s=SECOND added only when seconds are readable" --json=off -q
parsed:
h=7 m=3
